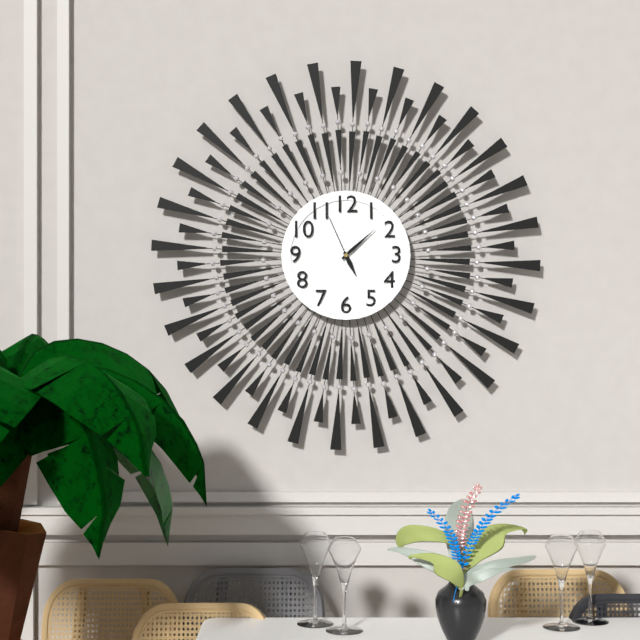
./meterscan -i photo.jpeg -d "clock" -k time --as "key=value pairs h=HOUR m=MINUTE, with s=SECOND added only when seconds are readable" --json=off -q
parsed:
h=5 m=8 s=56
